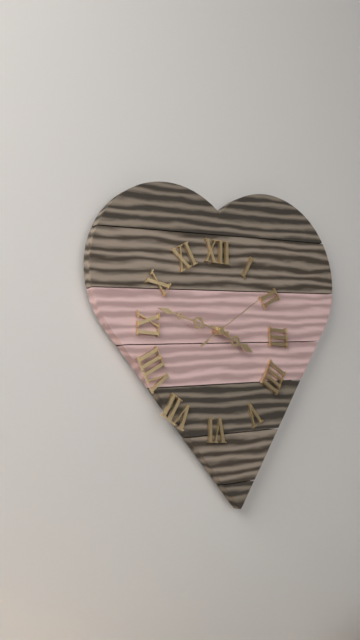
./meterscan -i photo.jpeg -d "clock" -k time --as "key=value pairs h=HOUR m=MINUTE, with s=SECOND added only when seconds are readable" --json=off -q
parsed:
h=3 m=47 s=9
